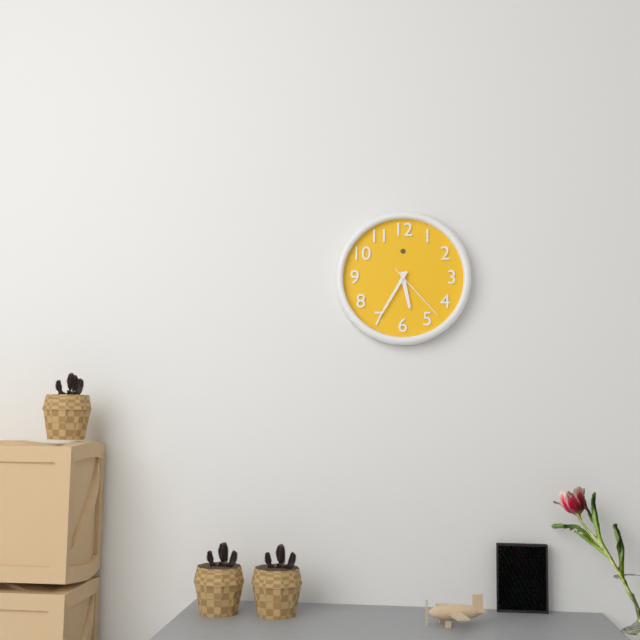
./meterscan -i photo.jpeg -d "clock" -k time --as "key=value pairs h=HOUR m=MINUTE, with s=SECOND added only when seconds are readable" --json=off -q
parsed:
h=5 m=35 s=23
